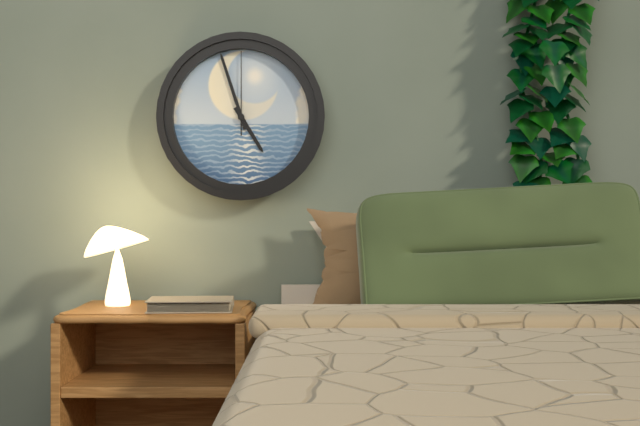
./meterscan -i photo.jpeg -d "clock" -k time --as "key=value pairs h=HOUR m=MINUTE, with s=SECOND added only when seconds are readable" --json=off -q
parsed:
h=4 m=57 s=0
